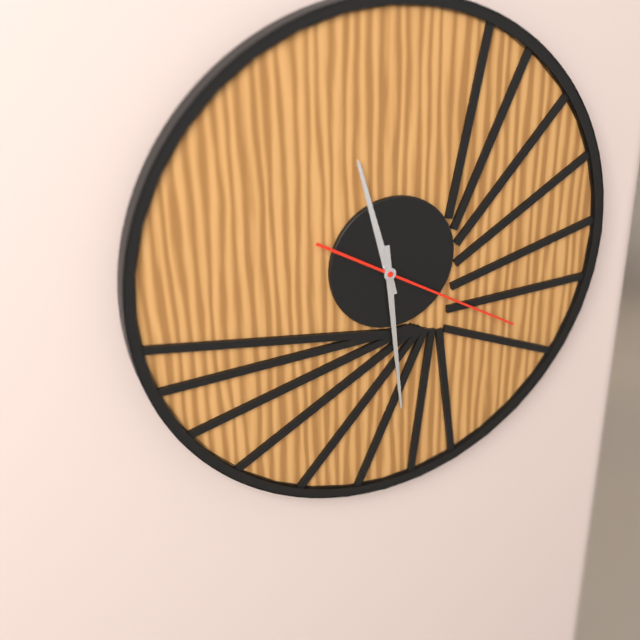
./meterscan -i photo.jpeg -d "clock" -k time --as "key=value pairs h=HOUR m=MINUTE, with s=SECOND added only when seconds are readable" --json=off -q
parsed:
h=11 m=29 s=20
